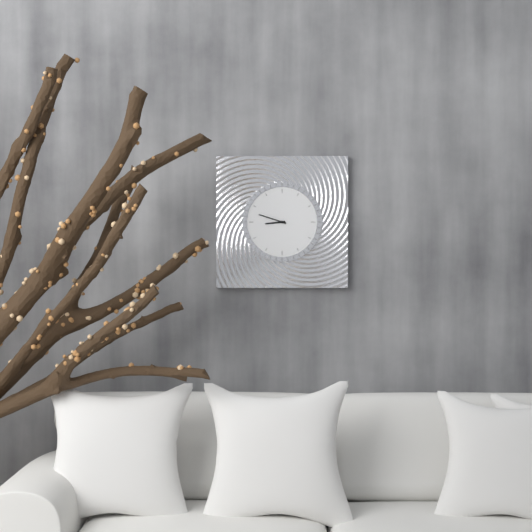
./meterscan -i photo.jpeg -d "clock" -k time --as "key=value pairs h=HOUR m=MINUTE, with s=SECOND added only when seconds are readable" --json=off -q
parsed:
h=8 m=48
